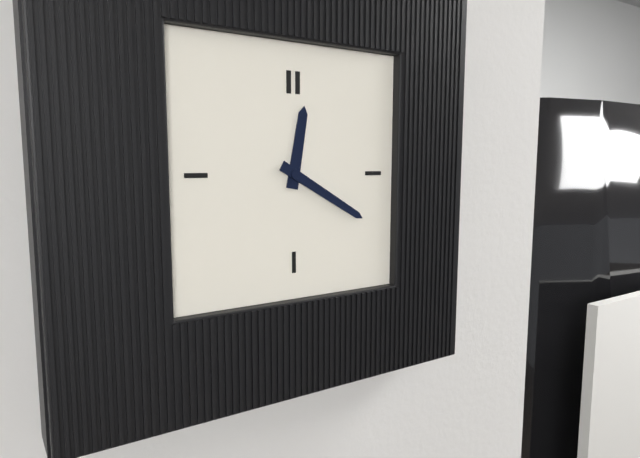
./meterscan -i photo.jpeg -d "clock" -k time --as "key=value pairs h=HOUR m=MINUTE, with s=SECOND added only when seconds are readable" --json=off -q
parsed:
h=12 m=20
